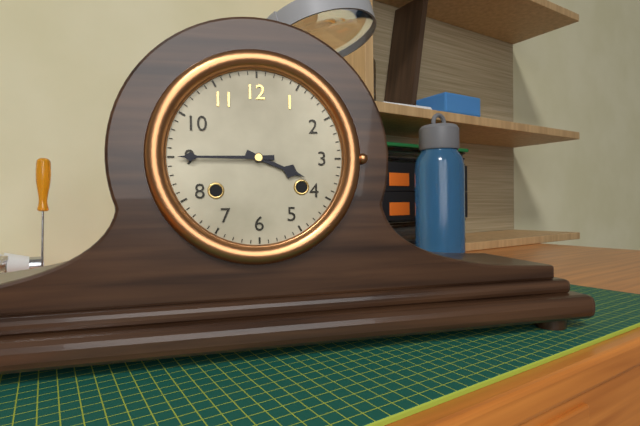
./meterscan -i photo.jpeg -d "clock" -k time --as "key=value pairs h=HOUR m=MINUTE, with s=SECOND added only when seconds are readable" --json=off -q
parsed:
h=3 m=45
